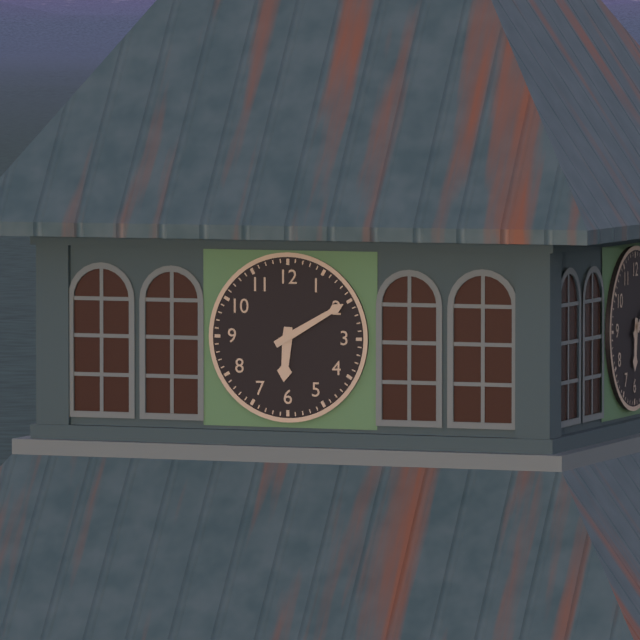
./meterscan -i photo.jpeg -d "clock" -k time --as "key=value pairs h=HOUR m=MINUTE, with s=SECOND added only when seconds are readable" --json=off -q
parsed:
h=6 m=10
